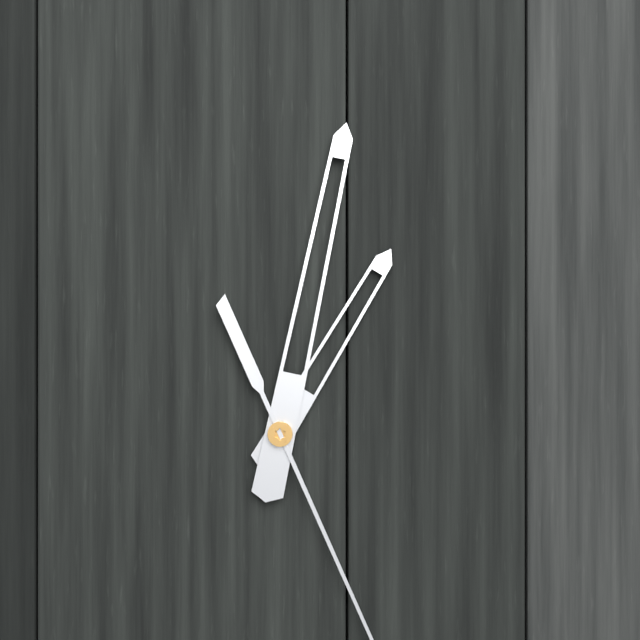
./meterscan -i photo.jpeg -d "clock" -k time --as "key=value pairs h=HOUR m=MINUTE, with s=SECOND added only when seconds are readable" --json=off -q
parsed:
h=1 m=2
